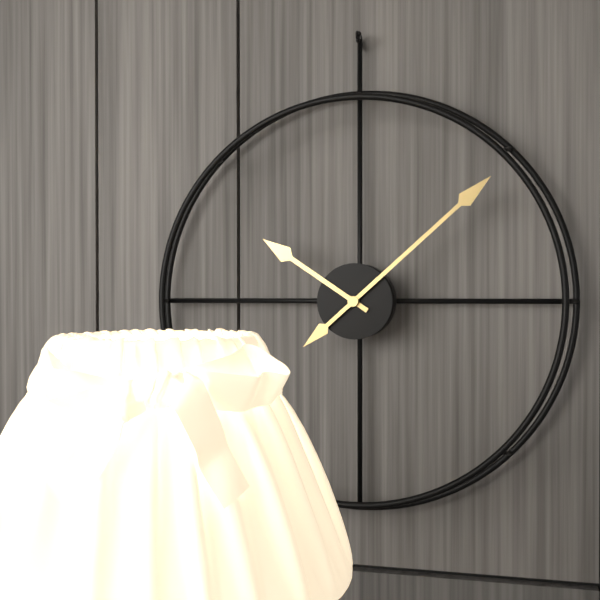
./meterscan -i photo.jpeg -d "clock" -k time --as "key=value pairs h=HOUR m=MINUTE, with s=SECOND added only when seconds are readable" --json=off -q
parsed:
h=10 m=8
